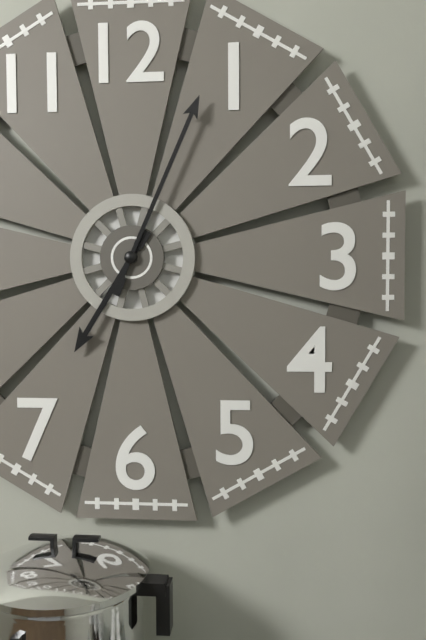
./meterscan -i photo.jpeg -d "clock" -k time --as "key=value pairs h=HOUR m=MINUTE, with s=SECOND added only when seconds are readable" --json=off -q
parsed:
h=7 m=4
